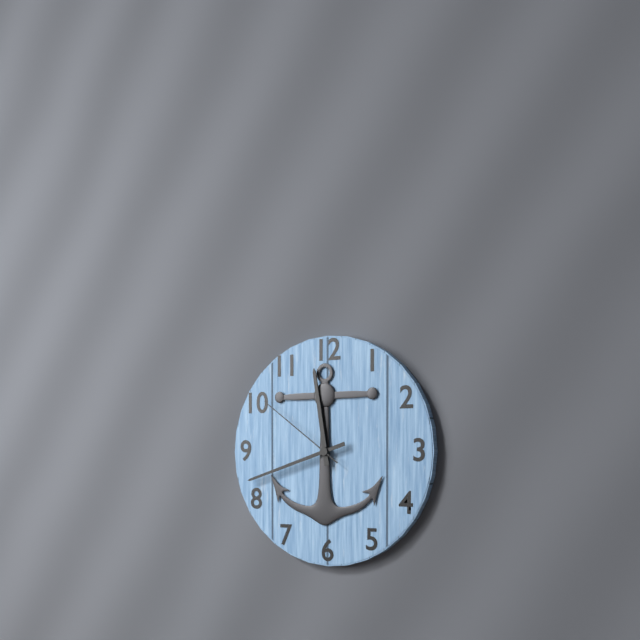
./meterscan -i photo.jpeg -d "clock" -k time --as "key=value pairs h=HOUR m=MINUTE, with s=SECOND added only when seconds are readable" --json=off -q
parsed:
h=11 m=42 s=51
